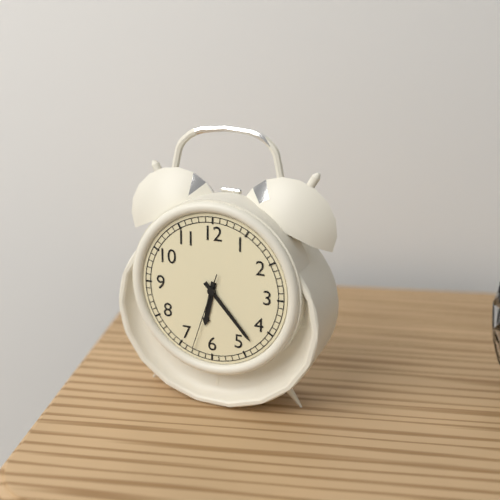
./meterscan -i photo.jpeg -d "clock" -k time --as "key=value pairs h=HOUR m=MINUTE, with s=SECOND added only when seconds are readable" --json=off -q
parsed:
h=6 m=23 s=33
